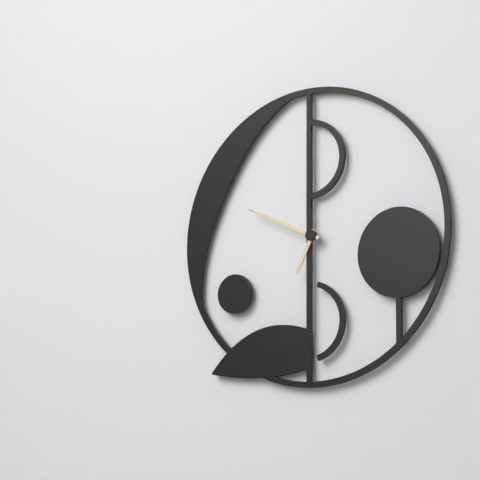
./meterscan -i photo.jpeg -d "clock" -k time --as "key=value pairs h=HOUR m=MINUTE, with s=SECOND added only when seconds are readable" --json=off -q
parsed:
h=6 m=49
